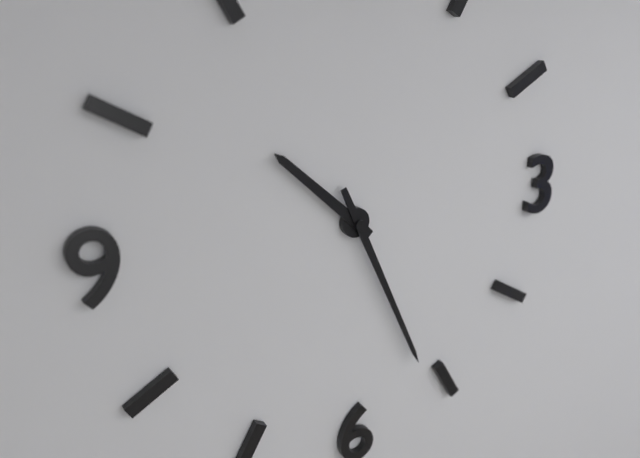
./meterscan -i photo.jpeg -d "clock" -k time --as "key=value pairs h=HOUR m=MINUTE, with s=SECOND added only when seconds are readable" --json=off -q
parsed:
h=10 m=26
